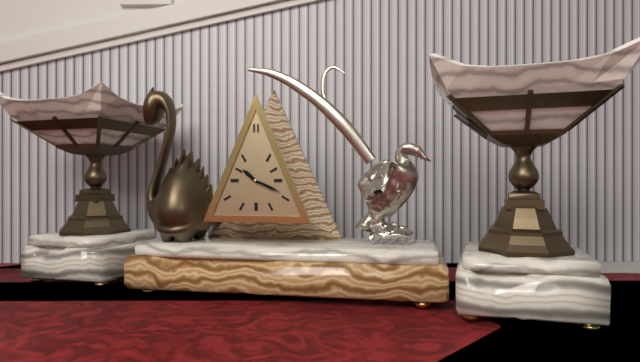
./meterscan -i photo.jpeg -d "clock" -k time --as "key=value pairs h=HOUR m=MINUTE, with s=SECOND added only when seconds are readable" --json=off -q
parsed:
h=10 m=19
